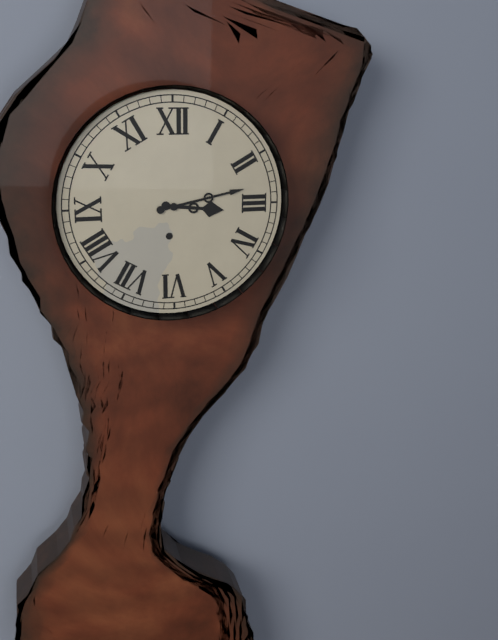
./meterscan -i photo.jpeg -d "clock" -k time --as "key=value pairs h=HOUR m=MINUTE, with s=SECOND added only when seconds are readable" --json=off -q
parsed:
h=3 m=13
